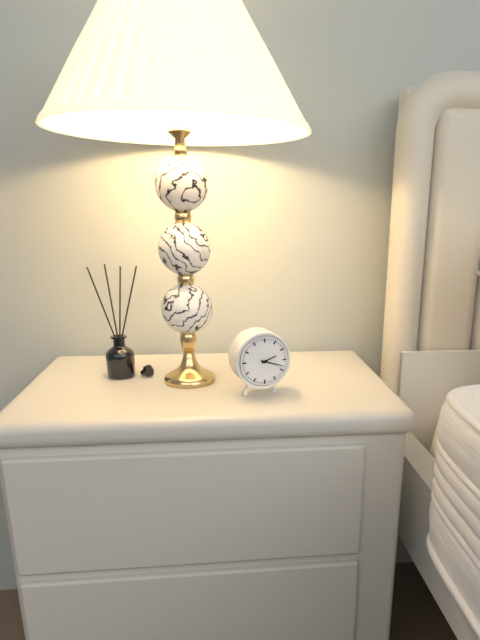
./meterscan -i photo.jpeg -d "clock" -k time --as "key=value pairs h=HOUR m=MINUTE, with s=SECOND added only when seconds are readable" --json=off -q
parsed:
h=2 m=18
